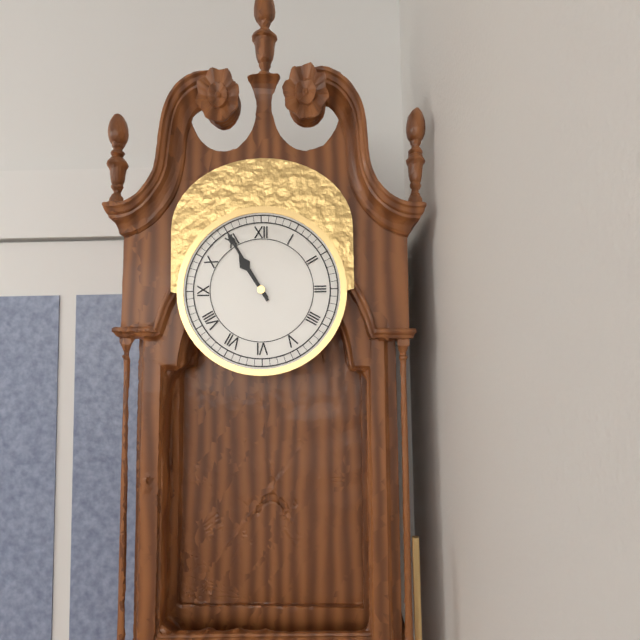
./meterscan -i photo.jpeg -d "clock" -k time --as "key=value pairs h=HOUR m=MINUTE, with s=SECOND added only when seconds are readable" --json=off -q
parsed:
h=10 m=55
